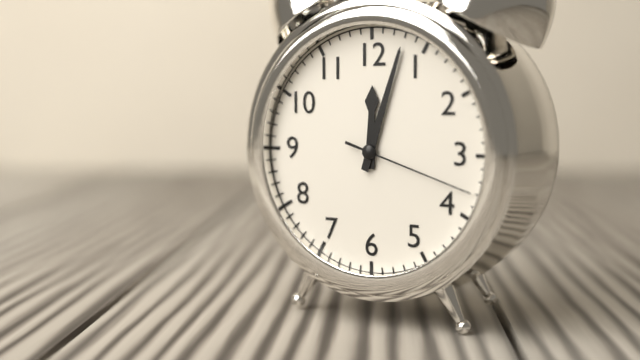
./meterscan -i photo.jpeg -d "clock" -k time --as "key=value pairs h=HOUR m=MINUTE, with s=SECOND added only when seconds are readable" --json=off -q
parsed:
h=12 m=3 s=18
